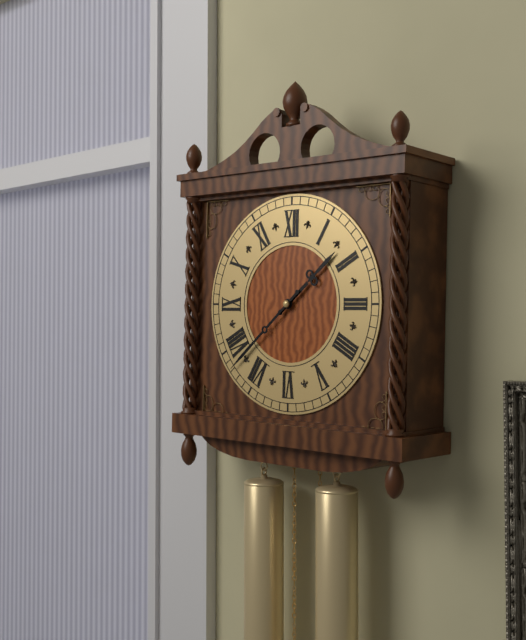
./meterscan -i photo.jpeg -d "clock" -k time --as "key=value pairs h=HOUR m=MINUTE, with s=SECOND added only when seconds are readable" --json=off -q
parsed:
h=1 m=38
